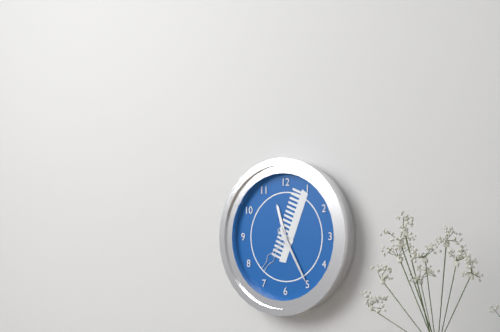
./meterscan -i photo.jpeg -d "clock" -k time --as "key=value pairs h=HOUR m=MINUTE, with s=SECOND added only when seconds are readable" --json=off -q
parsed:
h=11 m=25
